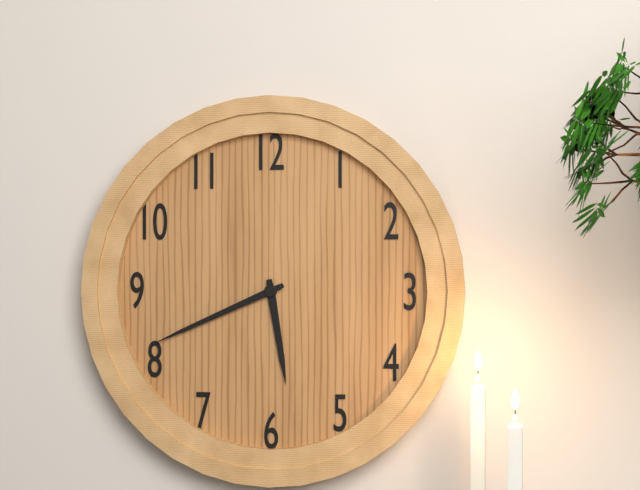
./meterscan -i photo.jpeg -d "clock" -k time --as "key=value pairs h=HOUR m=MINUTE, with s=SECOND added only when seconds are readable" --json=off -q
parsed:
h=5 m=41
